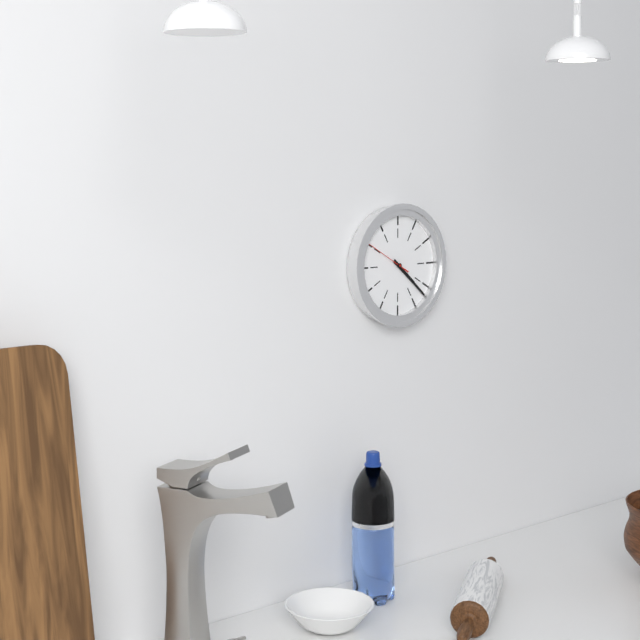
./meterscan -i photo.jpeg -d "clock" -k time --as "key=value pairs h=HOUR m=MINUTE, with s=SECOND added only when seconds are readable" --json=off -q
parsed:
h=4 m=22 s=50
